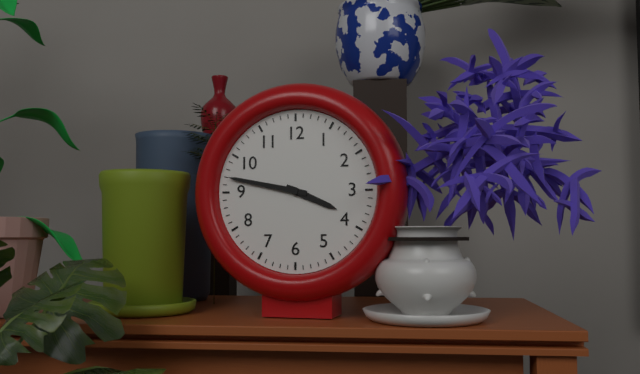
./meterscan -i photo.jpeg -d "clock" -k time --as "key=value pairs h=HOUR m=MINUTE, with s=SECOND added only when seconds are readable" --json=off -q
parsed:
h=3 m=47
